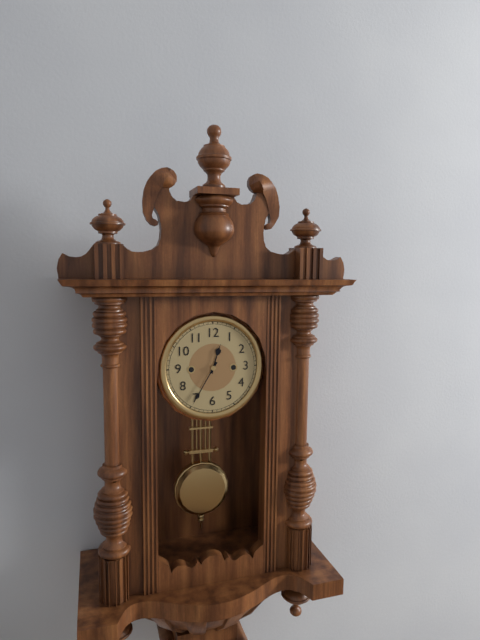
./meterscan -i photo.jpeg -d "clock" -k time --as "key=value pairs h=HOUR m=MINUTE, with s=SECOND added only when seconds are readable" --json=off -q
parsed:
h=12 m=35
